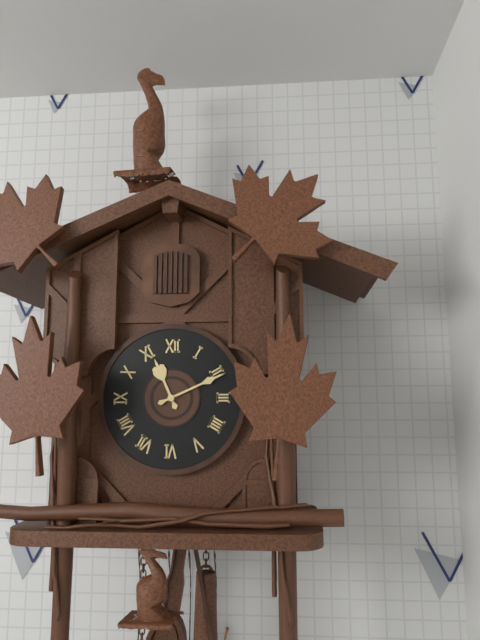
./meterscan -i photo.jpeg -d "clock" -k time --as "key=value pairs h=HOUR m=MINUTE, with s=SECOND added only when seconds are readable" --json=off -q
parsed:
h=11 m=11
